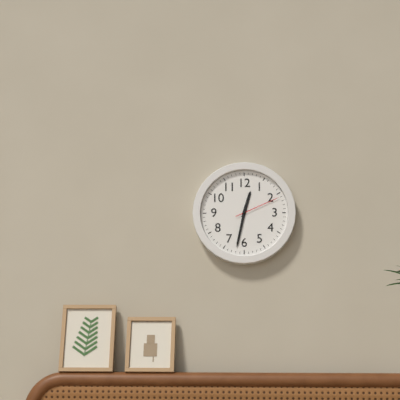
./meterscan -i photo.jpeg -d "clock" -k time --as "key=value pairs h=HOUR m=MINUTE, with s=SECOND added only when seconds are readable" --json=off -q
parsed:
h=12 m=32
